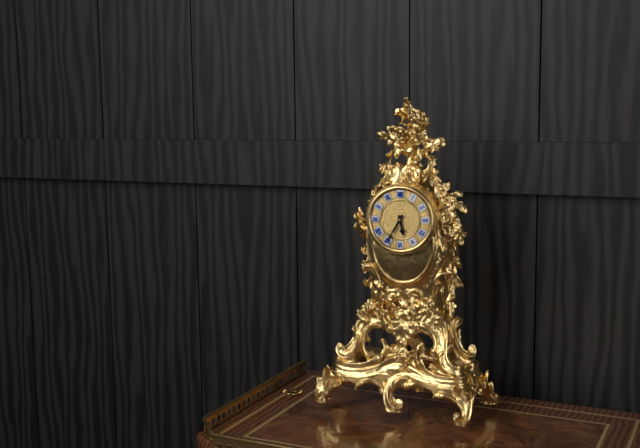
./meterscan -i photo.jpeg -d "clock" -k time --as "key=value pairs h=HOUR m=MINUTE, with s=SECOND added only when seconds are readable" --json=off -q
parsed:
h=5 m=35
